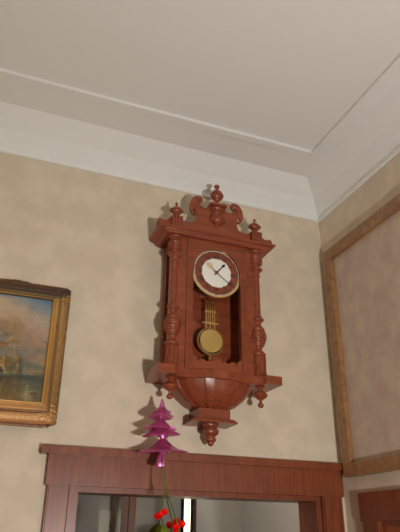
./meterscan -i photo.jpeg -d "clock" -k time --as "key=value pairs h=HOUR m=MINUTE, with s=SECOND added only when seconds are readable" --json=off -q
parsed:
h=1 m=21
